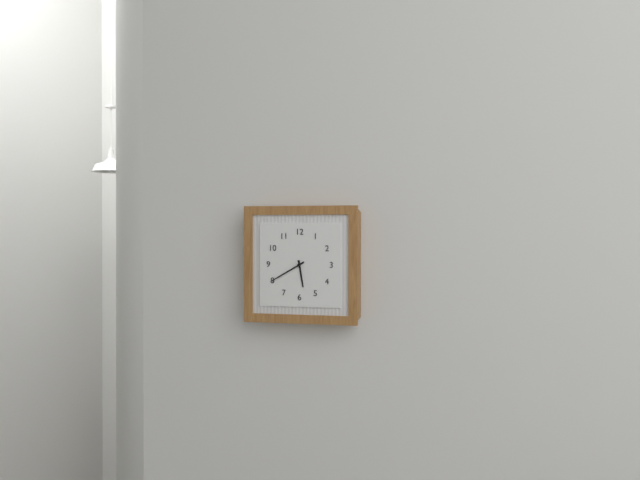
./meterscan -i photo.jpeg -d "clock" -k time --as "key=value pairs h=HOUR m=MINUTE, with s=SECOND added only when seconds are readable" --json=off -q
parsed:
h=5 m=40
